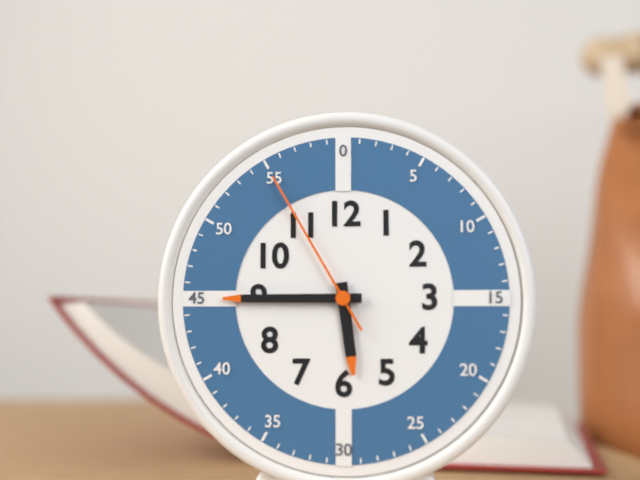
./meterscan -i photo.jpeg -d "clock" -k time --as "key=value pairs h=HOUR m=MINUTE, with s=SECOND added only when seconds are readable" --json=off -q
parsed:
h=5 m=45 s=55
